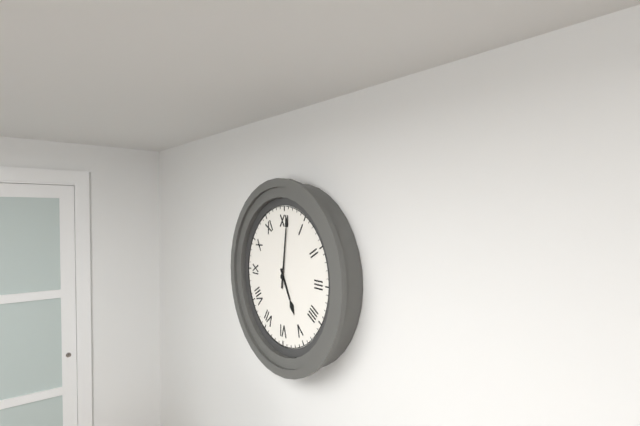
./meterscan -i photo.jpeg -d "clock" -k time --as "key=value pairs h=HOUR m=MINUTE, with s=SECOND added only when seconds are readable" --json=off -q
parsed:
h=5 m=1
